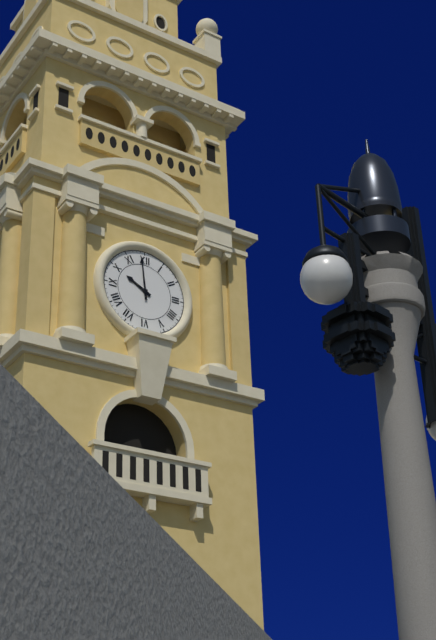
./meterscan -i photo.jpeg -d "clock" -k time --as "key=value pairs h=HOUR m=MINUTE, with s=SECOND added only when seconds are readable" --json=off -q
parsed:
h=9 m=59
